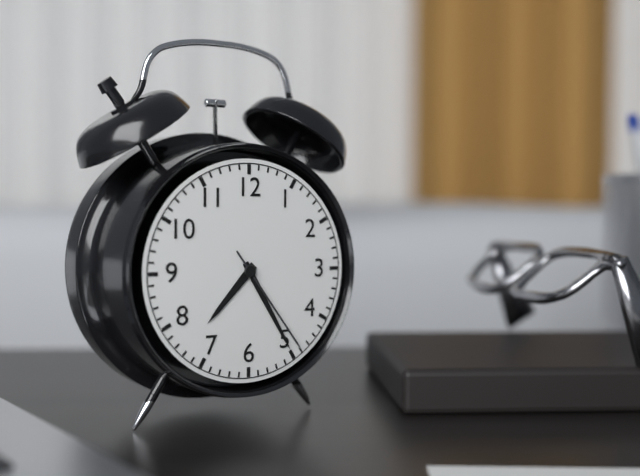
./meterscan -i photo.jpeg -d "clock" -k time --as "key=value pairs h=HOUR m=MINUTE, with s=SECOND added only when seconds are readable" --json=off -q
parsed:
h=7 m=25 s=24
